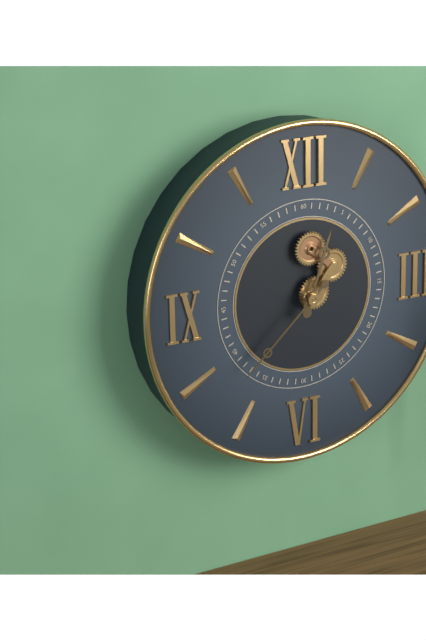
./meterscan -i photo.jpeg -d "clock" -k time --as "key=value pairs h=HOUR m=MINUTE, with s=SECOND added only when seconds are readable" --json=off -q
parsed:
h=12 m=38
